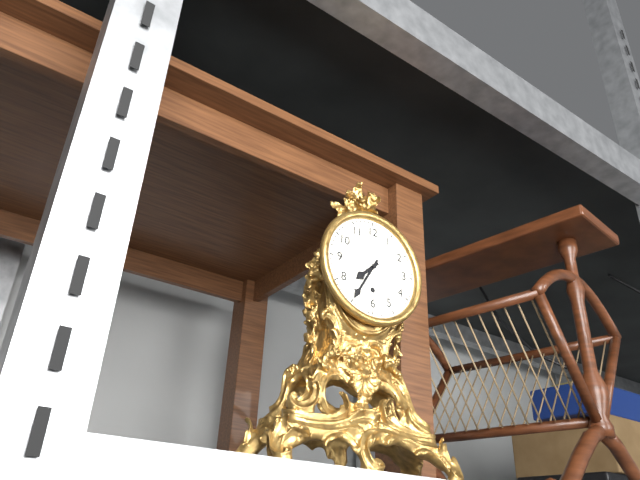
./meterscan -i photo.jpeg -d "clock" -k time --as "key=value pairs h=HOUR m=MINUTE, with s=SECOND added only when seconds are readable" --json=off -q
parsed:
h=7 m=35
